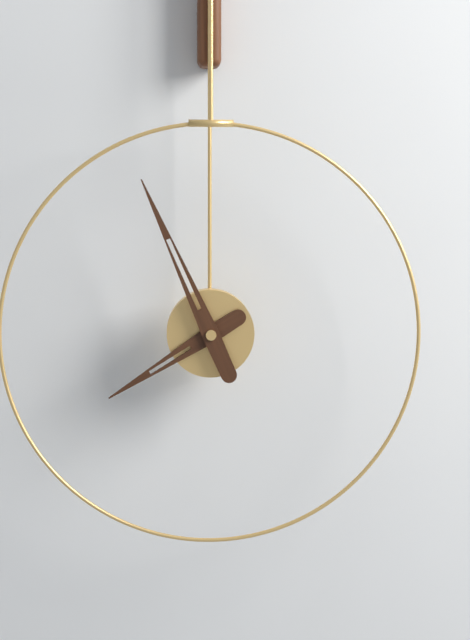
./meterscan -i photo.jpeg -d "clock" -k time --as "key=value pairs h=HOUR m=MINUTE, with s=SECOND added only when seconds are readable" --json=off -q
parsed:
h=7 m=56
